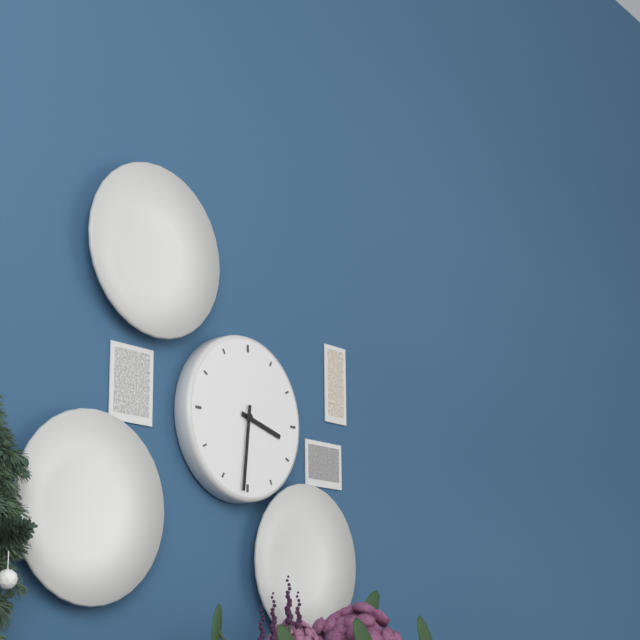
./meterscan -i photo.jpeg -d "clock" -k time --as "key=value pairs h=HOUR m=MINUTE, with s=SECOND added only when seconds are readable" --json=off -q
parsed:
h=3 m=31
